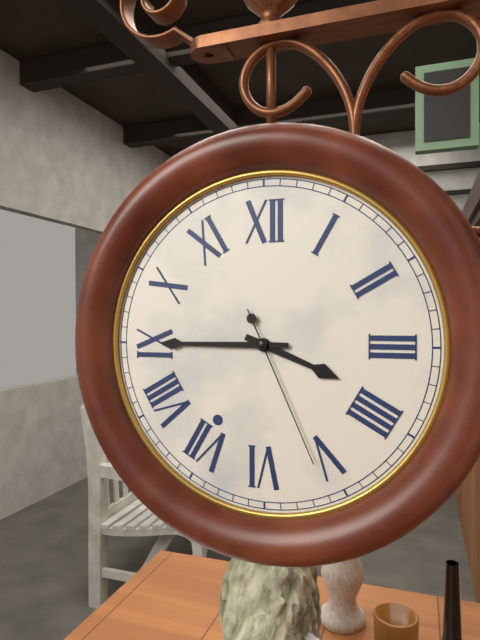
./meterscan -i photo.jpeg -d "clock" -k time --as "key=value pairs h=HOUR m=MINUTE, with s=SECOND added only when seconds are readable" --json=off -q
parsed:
h=3 m=45 s=26
